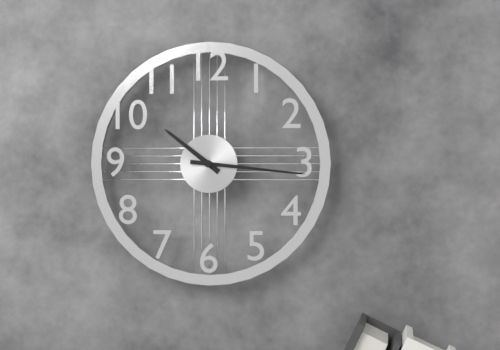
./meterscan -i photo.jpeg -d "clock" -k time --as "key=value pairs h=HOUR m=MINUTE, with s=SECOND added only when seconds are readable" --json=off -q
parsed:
h=10 m=16
